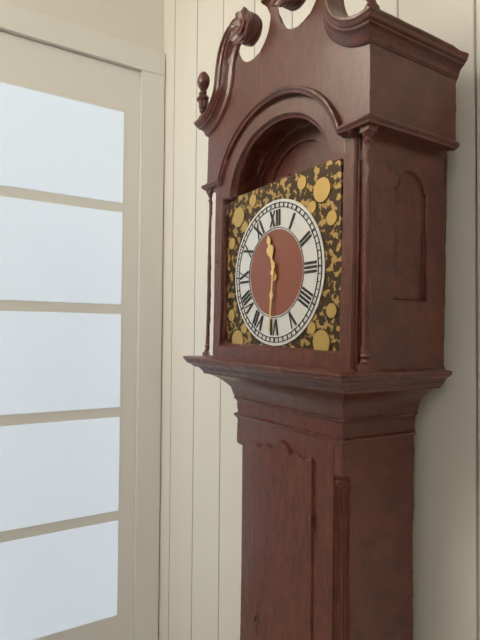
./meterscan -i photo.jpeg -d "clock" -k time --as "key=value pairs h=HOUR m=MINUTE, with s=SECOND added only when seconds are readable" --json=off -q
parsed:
h=11 m=31
